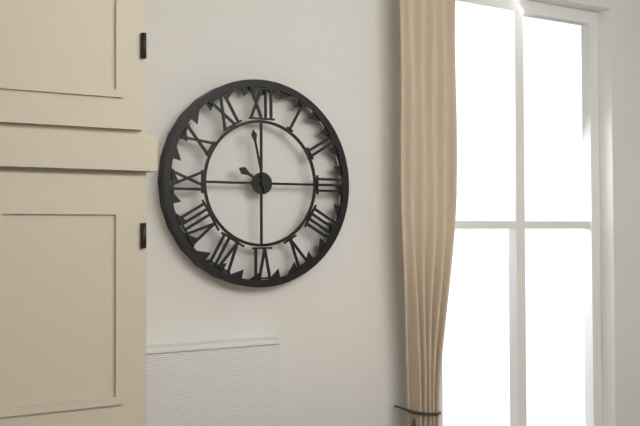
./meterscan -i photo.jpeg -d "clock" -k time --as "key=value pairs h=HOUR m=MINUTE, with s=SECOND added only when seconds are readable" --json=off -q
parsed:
h=9 m=58
